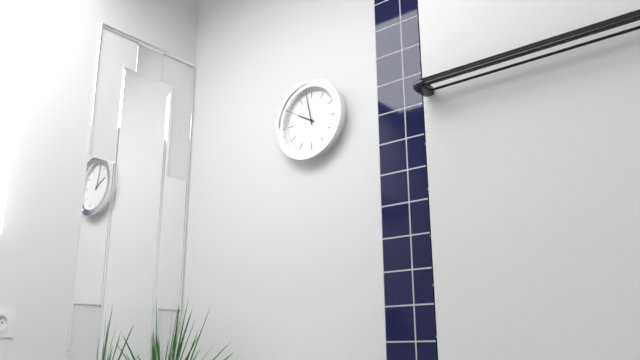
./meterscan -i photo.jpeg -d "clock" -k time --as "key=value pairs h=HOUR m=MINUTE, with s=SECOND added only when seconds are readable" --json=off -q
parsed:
h=9 m=58
